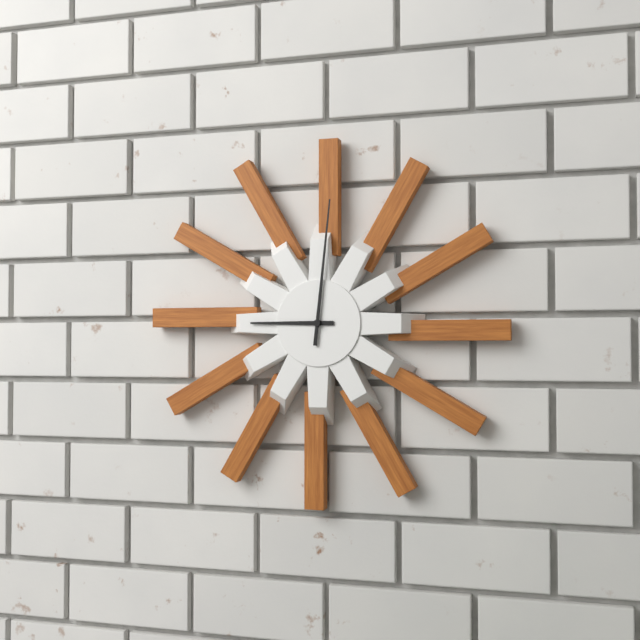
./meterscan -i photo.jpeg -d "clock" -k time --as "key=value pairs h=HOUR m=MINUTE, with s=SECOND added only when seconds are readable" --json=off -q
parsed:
h=9 m=1
